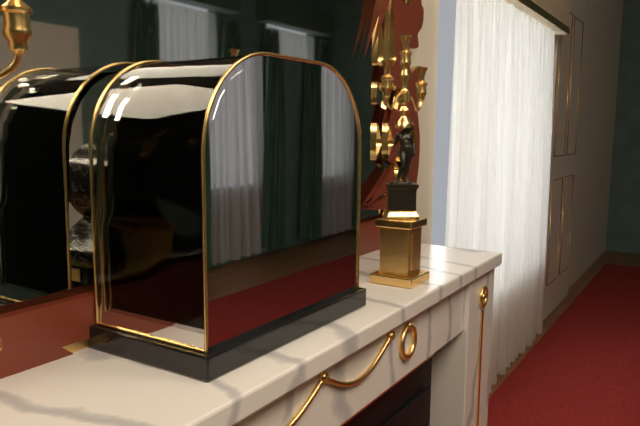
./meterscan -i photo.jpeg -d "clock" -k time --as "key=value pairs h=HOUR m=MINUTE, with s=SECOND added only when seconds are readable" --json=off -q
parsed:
h=4 m=9
